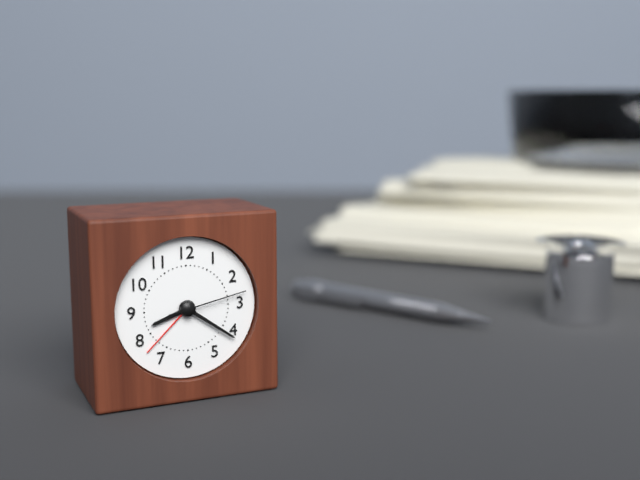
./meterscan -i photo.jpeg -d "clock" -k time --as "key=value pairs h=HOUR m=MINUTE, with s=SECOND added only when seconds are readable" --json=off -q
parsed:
h=8 m=21 s=13
